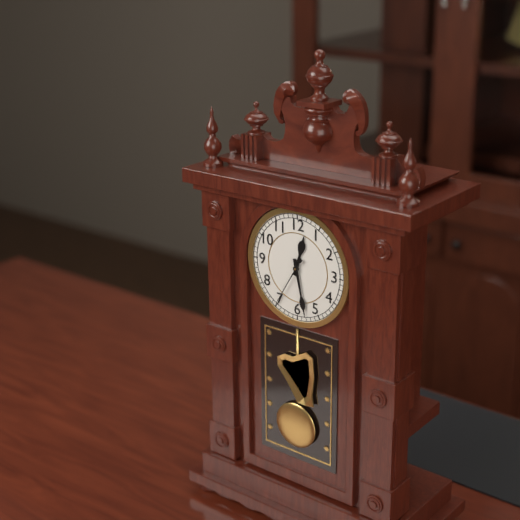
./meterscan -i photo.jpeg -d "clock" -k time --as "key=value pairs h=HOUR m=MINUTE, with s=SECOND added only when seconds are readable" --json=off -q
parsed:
h=12 m=28 s=35
